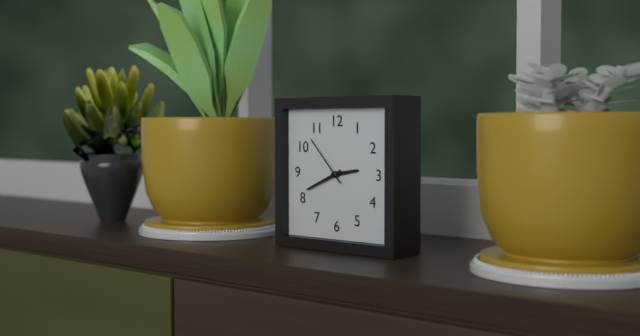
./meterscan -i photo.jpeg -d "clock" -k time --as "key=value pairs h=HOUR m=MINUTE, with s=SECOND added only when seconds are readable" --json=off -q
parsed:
h=2 m=41 s=53
